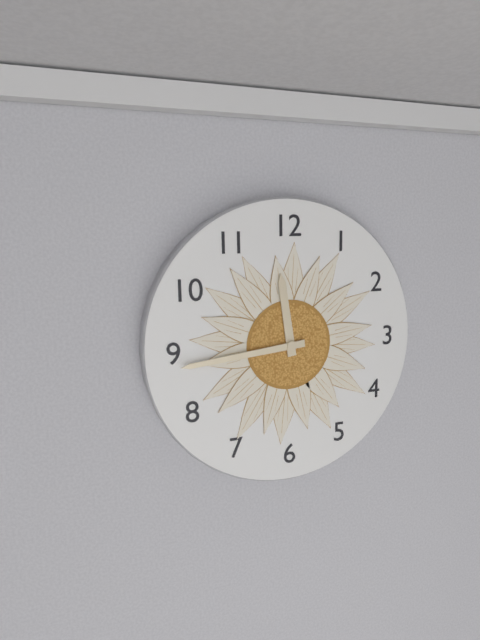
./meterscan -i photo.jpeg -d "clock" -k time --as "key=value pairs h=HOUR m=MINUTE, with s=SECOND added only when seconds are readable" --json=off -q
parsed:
h=11 m=44
